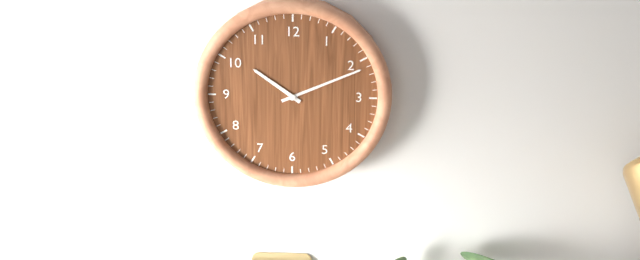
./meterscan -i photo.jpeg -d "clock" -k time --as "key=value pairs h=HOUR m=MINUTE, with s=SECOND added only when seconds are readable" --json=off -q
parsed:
h=10 m=11
